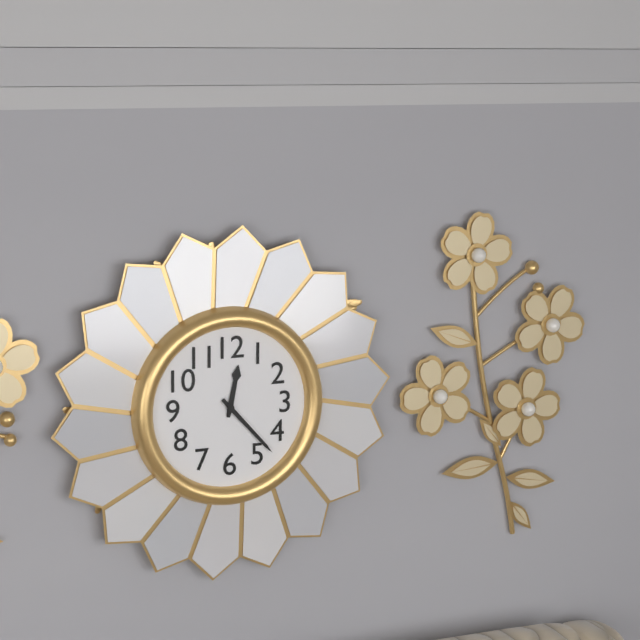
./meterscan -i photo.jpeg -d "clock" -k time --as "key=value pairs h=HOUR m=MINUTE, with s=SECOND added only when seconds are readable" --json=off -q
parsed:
h=12 m=23
